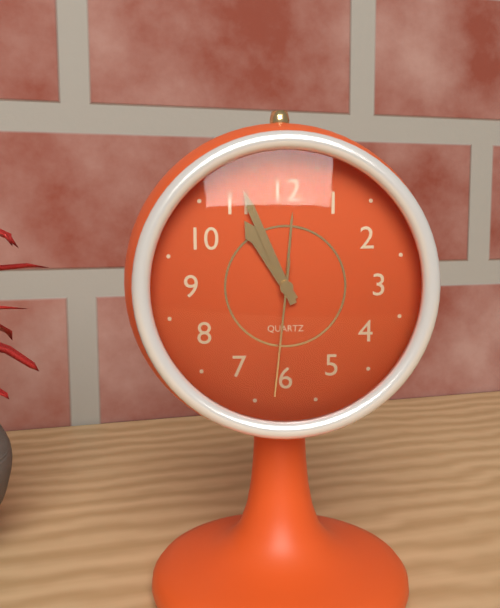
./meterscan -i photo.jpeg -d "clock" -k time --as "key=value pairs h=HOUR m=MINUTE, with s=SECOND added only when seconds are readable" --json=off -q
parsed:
h=10 m=56 s=31
